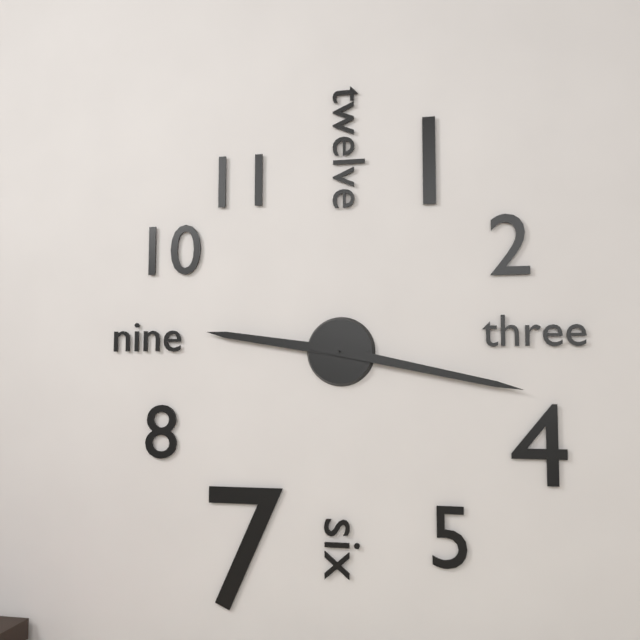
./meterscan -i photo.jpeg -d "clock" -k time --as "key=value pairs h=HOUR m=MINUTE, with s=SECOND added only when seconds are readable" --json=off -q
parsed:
h=9 m=17
